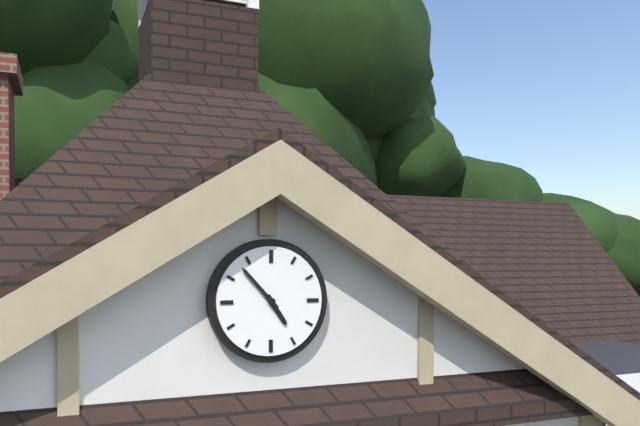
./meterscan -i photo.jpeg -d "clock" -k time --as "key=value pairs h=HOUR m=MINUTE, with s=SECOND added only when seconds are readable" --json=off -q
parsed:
h=4 m=53
